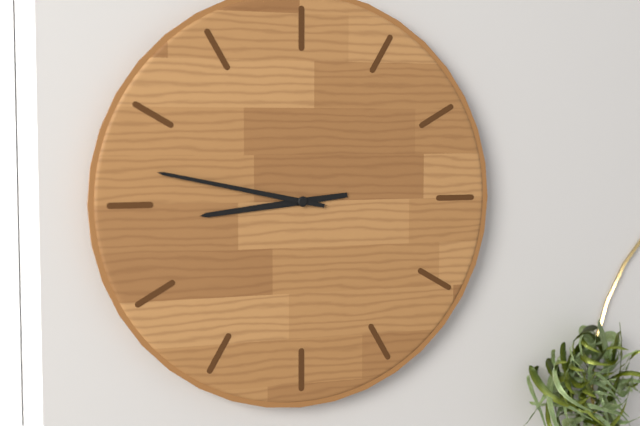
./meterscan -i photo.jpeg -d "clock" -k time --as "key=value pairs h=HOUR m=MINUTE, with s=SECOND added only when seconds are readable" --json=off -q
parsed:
h=8 m=47
